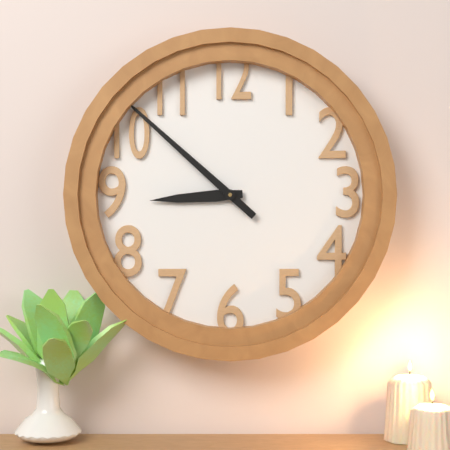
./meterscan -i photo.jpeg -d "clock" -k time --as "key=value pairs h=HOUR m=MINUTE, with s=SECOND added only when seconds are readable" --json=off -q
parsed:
h=8 m=52
